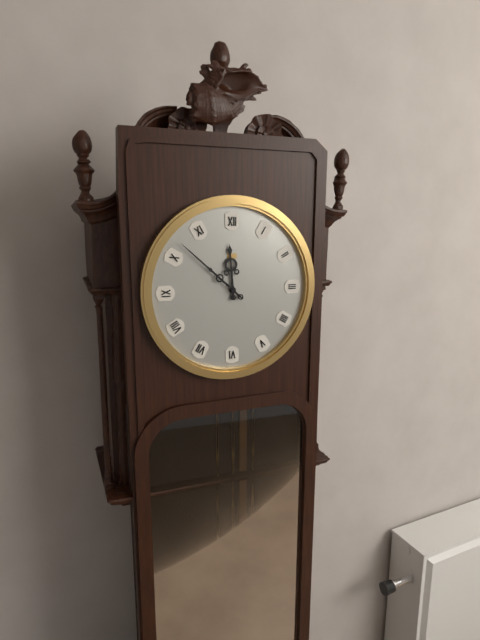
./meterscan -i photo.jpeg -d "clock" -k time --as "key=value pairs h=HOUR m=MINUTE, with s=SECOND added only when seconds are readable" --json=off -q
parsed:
h=11 m=52
